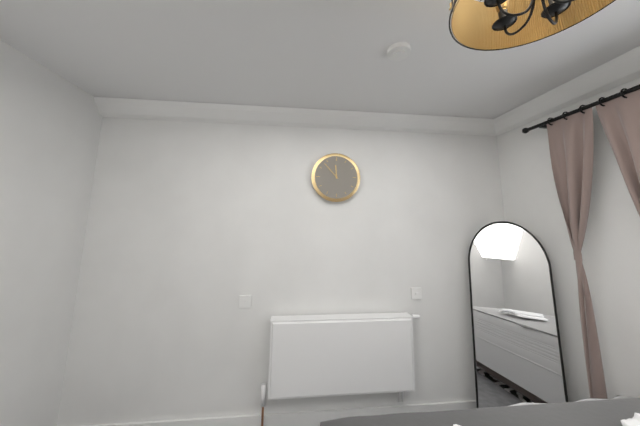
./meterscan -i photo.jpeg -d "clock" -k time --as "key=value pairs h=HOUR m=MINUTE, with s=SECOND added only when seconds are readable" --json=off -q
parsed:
h=11 m=53
